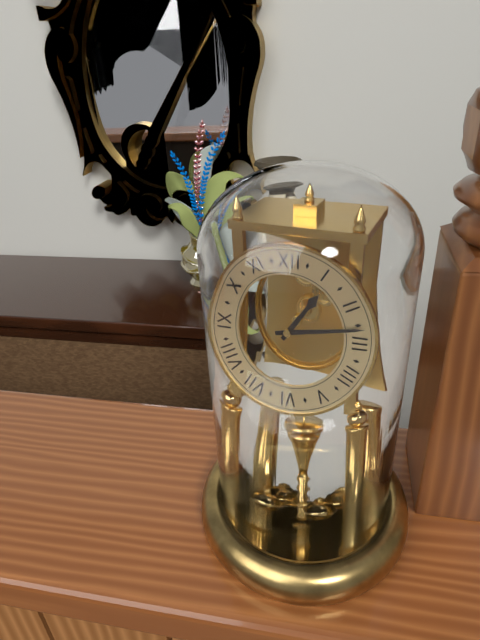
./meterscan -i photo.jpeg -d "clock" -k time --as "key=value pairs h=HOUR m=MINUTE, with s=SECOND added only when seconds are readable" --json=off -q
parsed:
h=1 m=13
